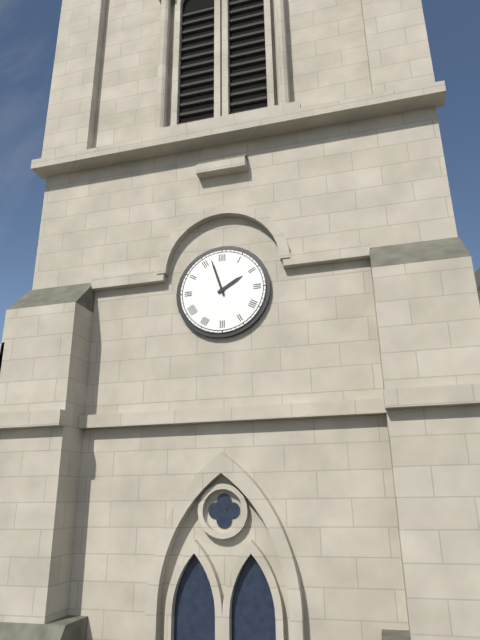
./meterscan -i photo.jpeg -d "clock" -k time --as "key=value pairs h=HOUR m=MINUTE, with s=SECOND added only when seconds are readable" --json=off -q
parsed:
h=1 m=57
